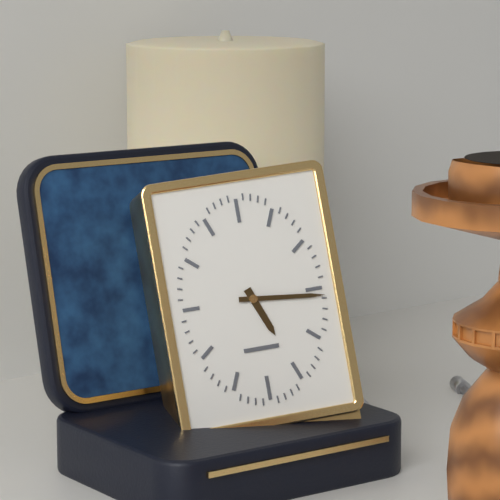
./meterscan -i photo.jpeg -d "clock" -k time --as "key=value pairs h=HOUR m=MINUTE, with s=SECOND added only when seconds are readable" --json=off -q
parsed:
h=5 m=16
